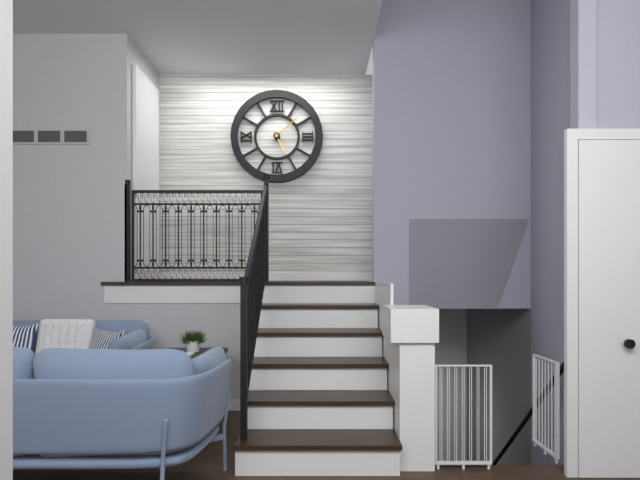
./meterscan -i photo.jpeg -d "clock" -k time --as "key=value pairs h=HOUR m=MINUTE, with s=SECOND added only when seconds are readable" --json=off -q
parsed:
h=5 m=8
